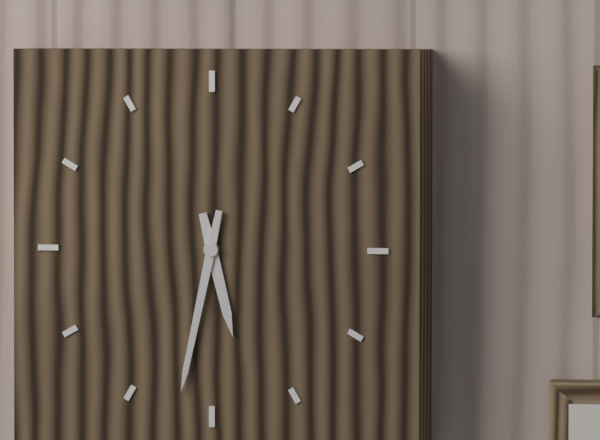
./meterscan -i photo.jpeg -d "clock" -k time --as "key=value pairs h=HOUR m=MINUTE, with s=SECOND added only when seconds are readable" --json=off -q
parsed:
h=5 m=32
